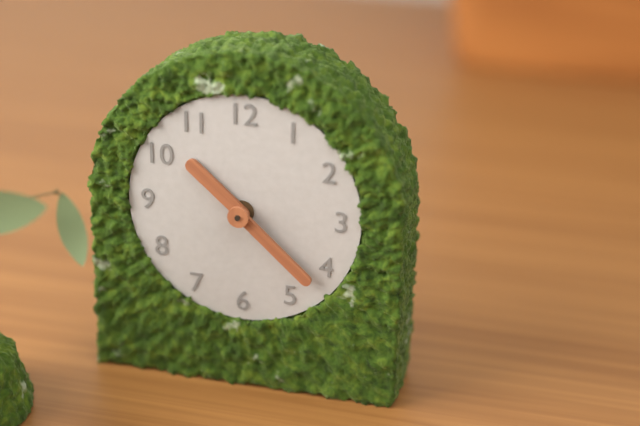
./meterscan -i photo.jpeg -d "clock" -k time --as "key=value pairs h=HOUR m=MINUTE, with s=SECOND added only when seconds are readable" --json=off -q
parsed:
h=10 m=22
